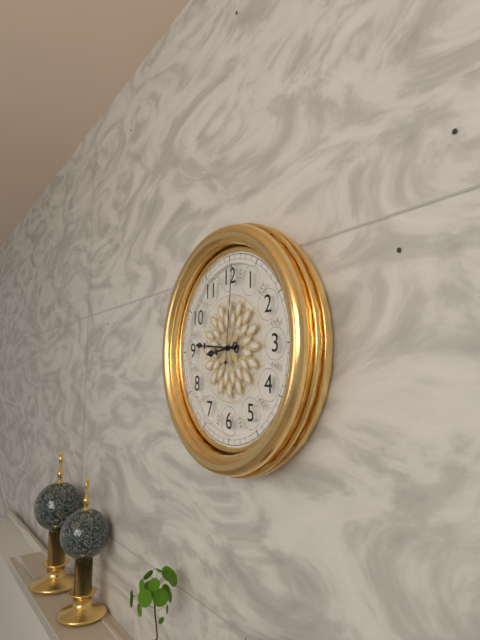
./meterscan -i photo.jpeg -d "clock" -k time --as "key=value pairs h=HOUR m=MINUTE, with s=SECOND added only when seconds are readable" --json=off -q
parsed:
h=8 m=46 s=1
